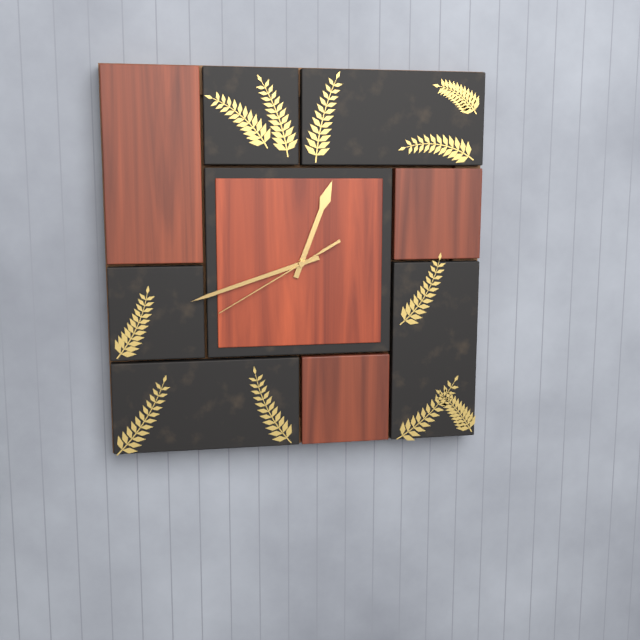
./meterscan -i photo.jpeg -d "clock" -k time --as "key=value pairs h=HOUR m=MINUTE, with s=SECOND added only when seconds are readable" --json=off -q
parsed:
h=12 m=42 s=40
